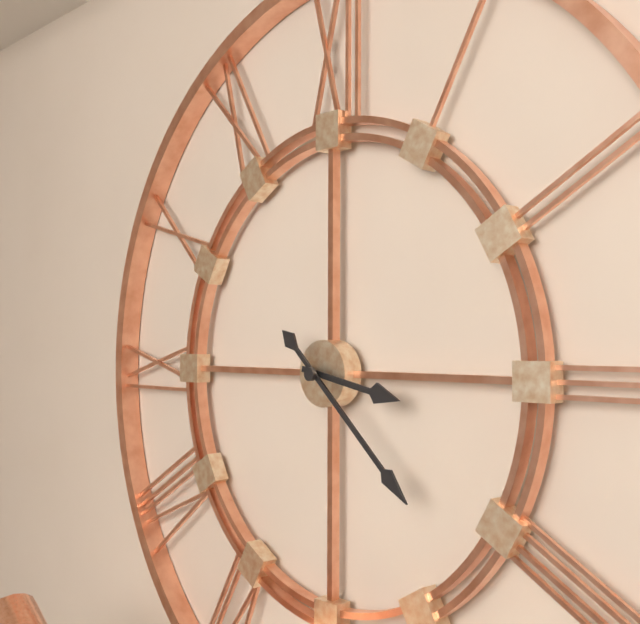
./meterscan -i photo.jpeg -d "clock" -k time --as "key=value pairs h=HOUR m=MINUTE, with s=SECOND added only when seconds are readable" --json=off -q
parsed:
h=3 m=22
